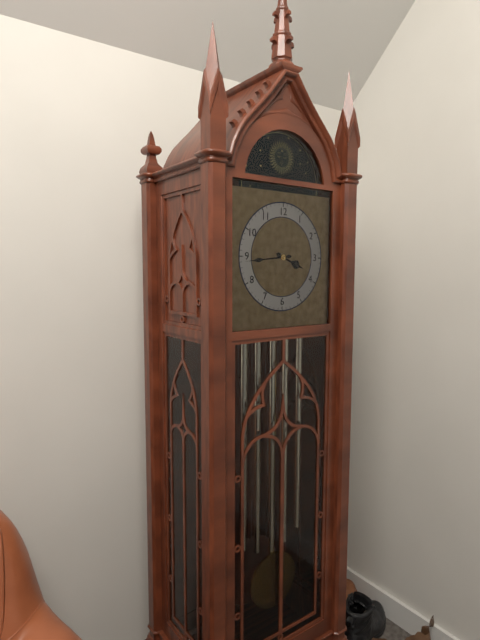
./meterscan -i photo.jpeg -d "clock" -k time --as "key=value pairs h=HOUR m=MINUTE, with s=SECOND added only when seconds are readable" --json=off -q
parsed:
h=3 m=44
